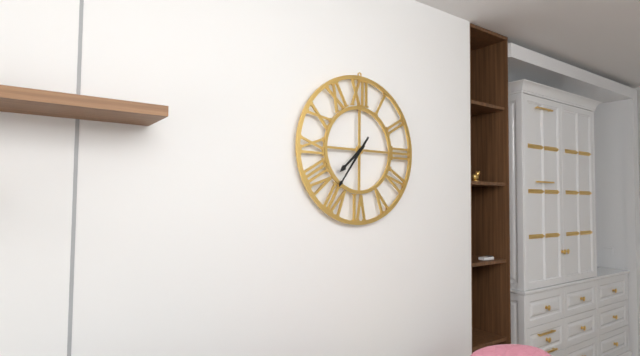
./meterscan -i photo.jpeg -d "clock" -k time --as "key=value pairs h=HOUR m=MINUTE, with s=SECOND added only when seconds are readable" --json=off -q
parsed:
h=7 m=36
